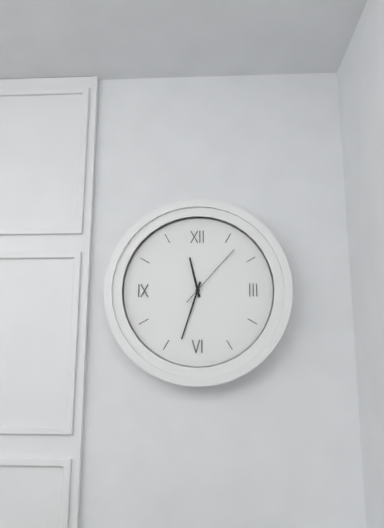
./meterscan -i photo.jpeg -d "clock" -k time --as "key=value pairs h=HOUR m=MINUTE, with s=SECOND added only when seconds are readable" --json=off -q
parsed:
h=11 m=33 s=7
